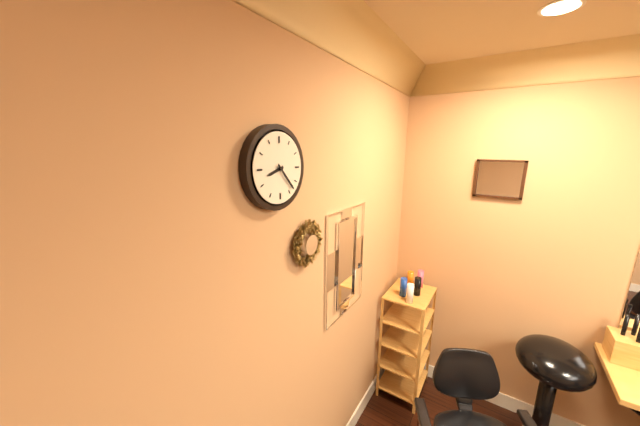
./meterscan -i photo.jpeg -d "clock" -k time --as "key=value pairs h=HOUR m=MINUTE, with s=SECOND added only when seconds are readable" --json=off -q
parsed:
h=8 m=23
